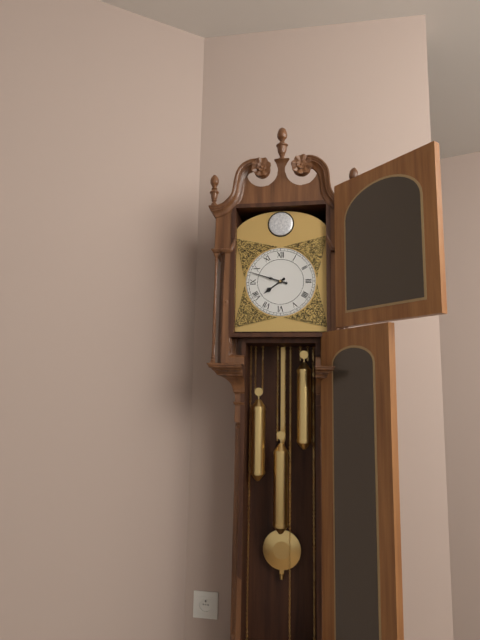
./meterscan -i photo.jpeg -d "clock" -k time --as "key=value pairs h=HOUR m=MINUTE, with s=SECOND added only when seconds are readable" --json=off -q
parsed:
h=7 m=48
